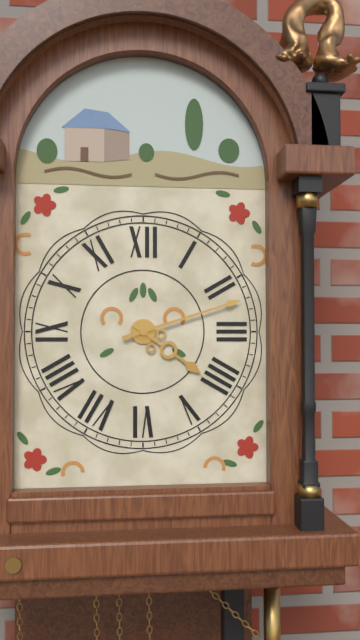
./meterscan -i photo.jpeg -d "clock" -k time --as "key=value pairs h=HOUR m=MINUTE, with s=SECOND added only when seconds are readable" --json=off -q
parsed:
h=4 m=12
